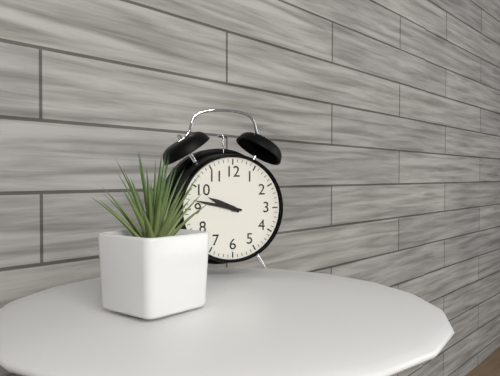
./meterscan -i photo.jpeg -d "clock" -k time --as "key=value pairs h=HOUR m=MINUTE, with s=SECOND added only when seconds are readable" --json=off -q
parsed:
h=9 m=47
